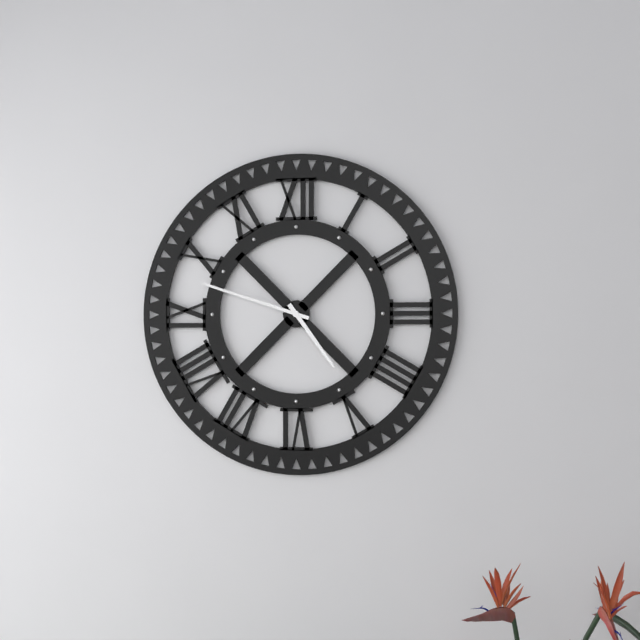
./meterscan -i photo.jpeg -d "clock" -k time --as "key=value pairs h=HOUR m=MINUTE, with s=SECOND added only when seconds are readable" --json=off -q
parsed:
h=4 m=48
